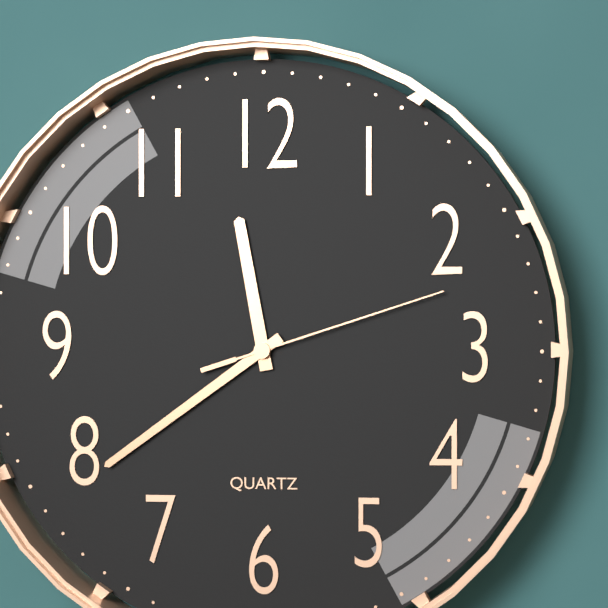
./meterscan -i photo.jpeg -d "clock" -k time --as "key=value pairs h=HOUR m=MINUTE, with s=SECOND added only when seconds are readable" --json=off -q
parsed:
h=11 m=39 s=12
